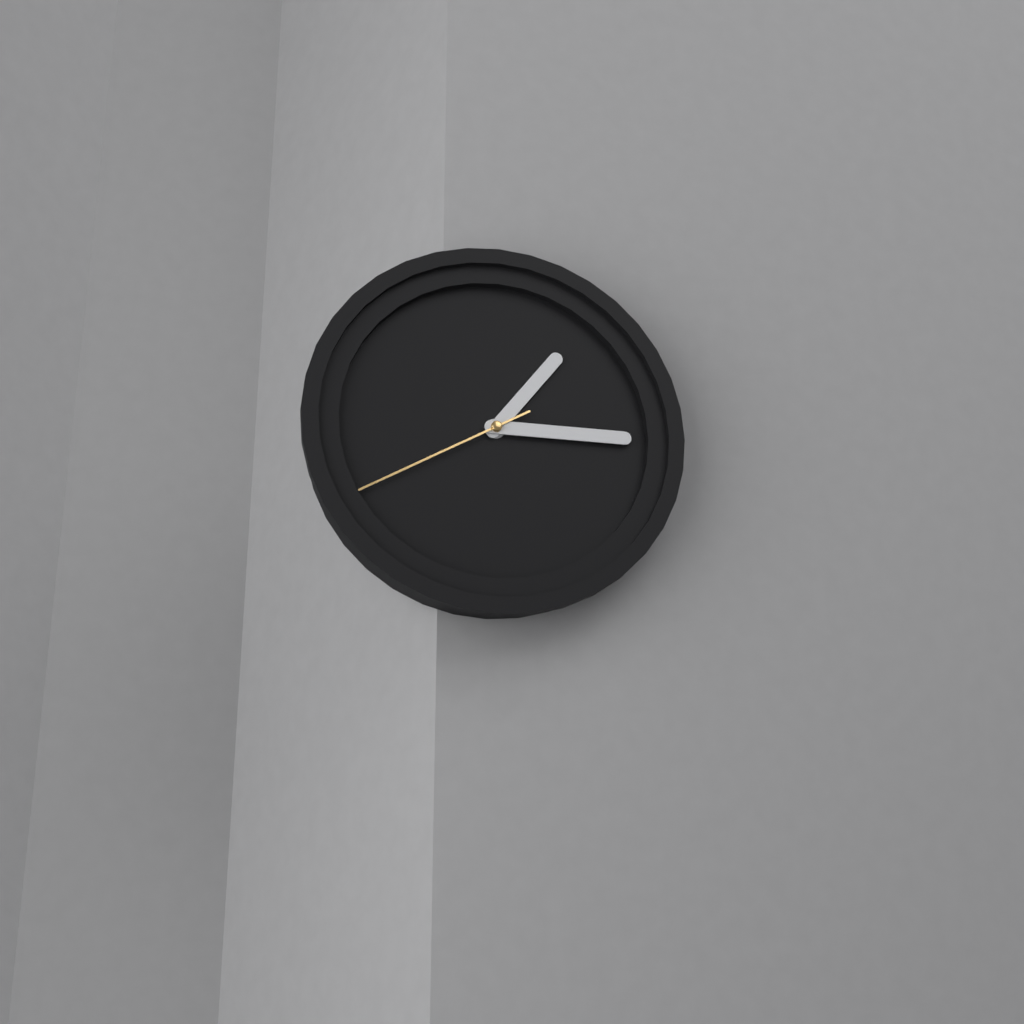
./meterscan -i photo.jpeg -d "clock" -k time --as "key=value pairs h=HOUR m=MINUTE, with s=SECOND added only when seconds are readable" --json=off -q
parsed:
h=1 m=15 s=40
